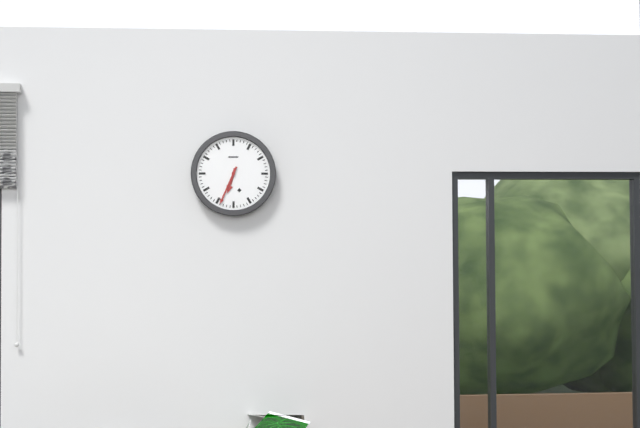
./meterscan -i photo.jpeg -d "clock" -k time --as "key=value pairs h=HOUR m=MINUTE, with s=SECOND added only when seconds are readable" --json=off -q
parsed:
h=6 m=34
